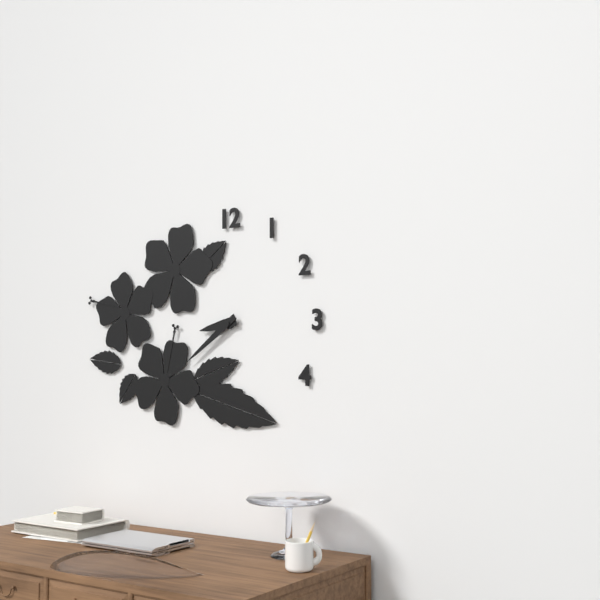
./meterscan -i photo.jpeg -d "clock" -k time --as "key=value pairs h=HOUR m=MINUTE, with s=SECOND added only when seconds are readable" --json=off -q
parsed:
h=8 m=39
